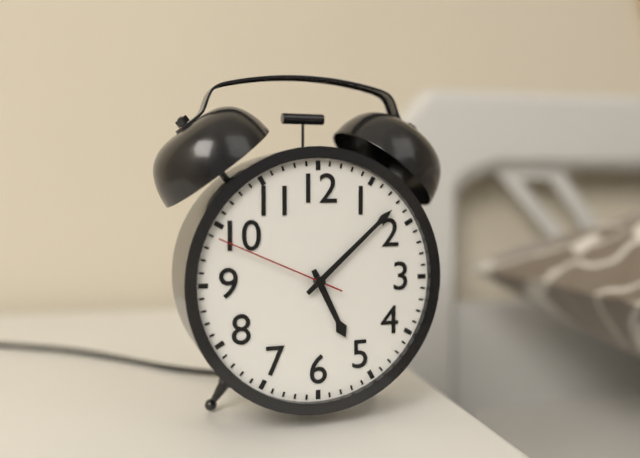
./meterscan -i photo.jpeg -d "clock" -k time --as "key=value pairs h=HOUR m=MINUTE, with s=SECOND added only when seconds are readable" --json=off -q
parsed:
h=5 m=8 s=49
